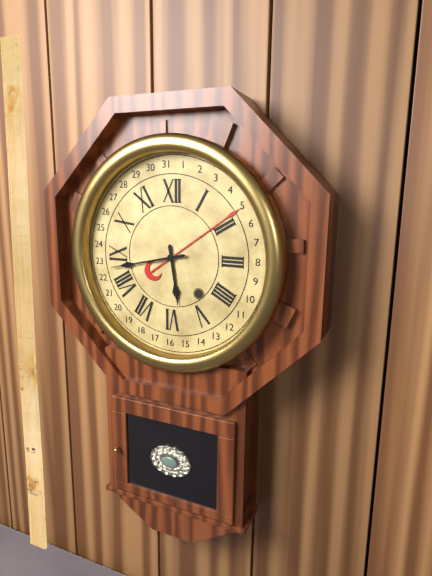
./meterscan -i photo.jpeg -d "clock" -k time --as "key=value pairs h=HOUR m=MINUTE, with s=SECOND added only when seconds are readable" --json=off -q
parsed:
h=5 m=43
